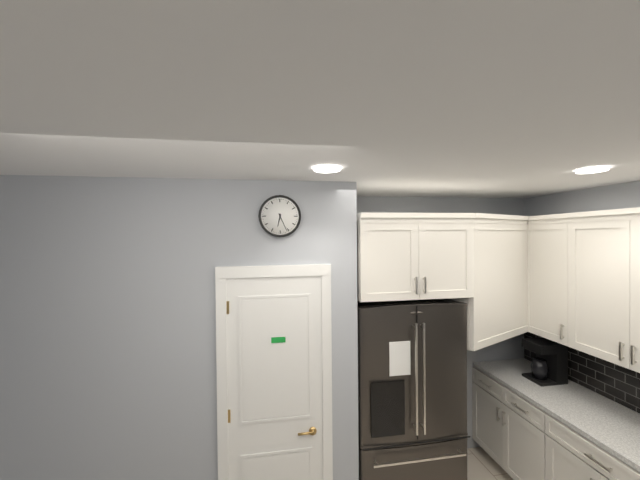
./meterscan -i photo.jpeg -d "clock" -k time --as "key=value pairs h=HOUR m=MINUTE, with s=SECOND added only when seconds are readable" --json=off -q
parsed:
h=6 m=26
